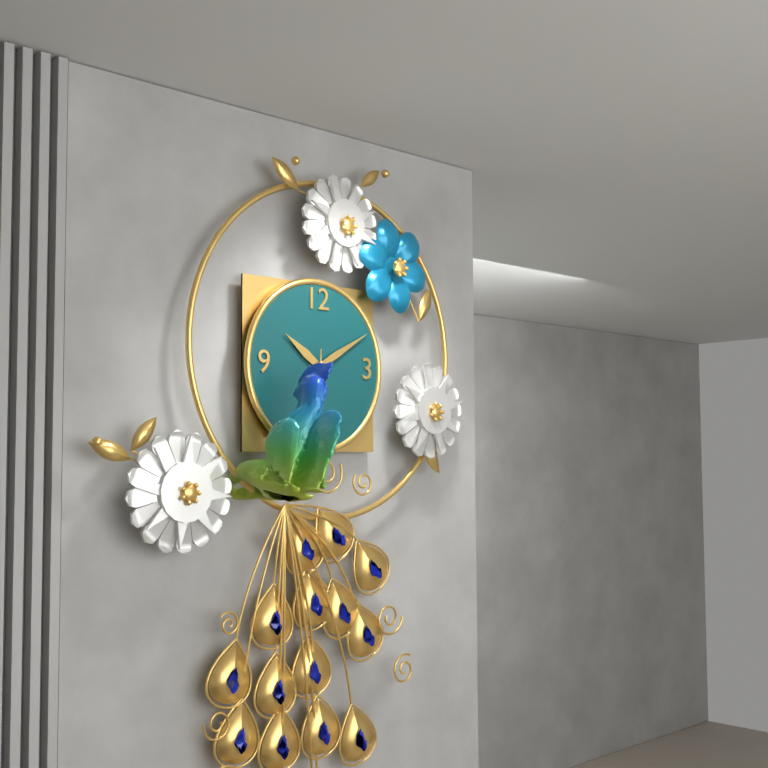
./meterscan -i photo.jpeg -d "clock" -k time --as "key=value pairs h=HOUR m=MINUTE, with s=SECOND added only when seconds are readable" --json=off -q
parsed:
h=10 m=10
